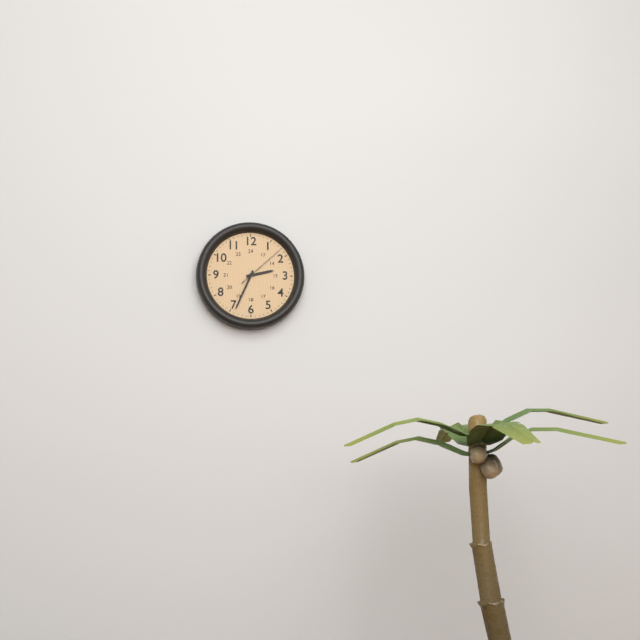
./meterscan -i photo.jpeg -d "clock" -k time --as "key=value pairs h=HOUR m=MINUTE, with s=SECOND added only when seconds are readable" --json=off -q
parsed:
h=2 m=34 s=8
